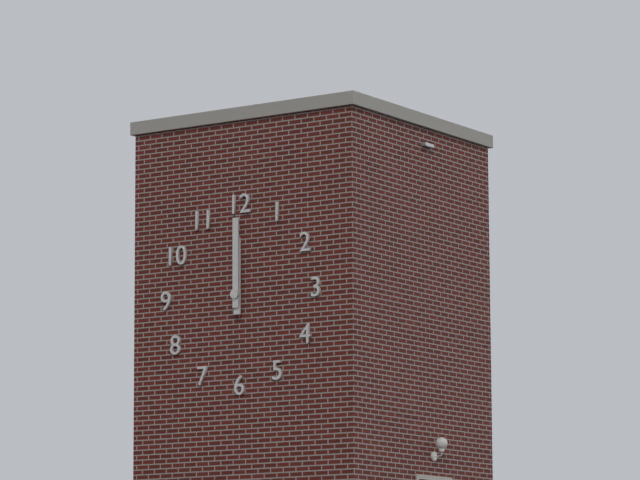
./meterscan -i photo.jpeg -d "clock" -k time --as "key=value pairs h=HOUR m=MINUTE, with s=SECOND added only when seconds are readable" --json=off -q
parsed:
h=12 m=0
